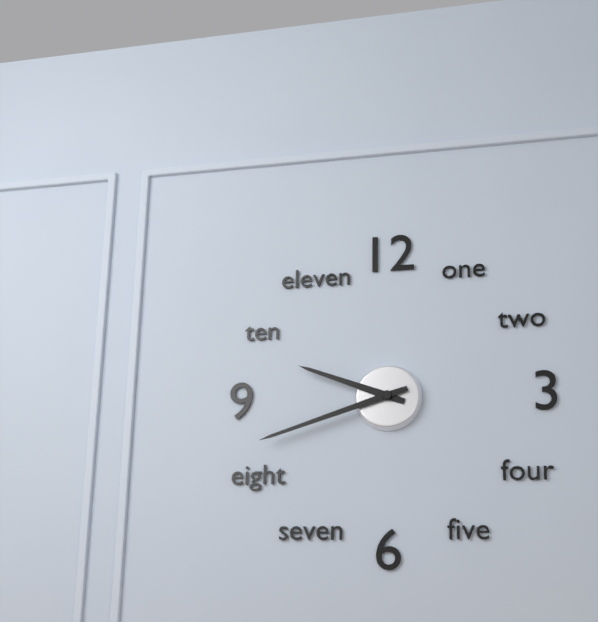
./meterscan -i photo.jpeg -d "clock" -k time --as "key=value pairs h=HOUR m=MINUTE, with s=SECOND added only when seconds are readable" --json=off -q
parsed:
h=9 m=42
